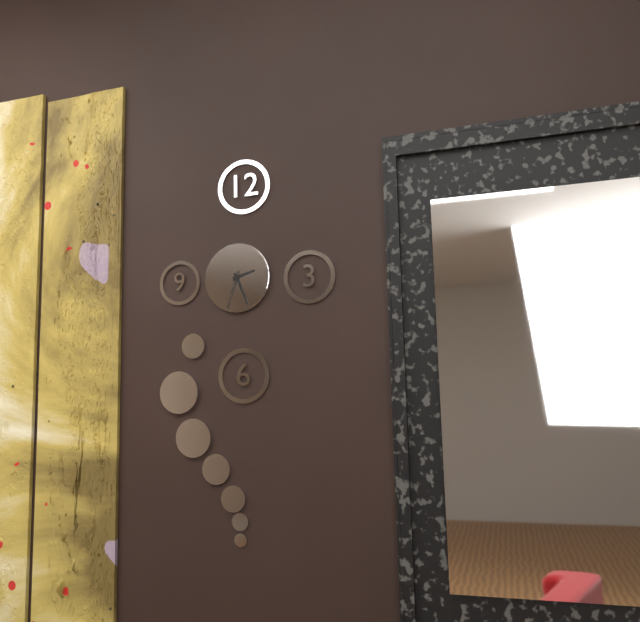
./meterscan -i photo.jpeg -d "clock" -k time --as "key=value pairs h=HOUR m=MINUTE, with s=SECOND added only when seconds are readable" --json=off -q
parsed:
h=2 m=26
